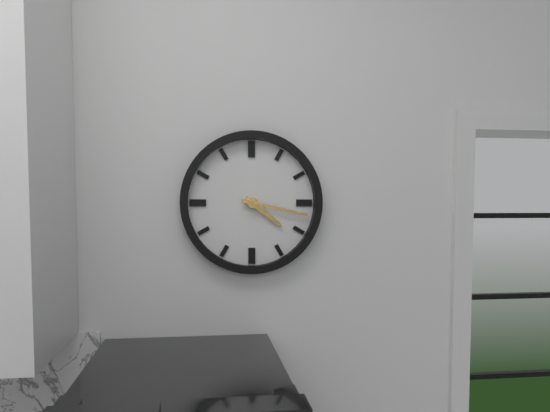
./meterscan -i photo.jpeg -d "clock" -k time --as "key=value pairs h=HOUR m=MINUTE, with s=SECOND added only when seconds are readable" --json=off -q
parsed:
h=4 m=17
